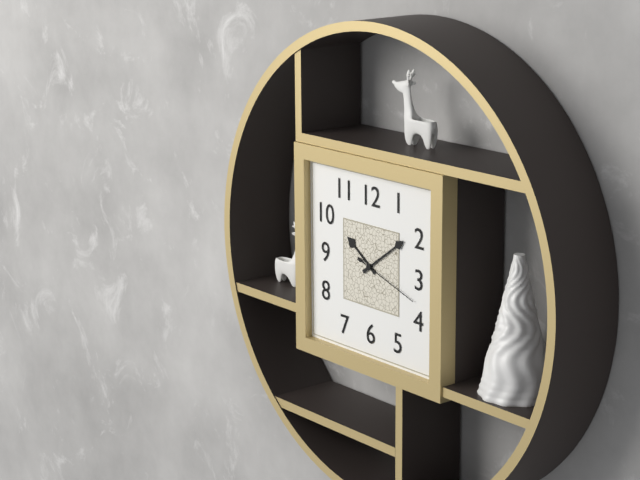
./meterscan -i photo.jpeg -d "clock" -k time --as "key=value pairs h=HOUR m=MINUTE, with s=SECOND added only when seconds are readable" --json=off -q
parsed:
h=10 m=9 s=18
